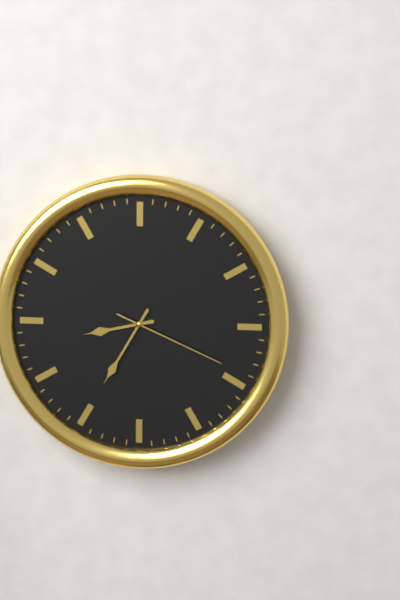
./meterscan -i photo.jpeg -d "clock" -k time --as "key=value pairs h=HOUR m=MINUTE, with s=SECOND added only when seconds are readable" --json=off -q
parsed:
h=8 m=35 s=19
